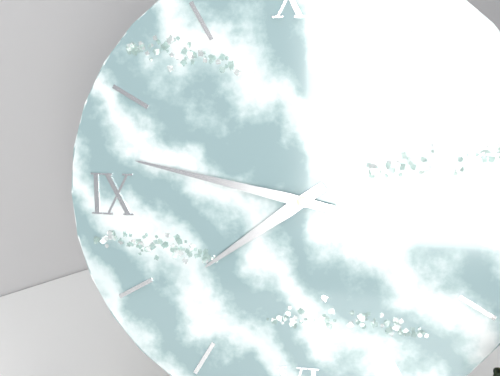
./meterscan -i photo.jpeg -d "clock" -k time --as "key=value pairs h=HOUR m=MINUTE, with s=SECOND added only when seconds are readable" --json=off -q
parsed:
h=7 m=47
